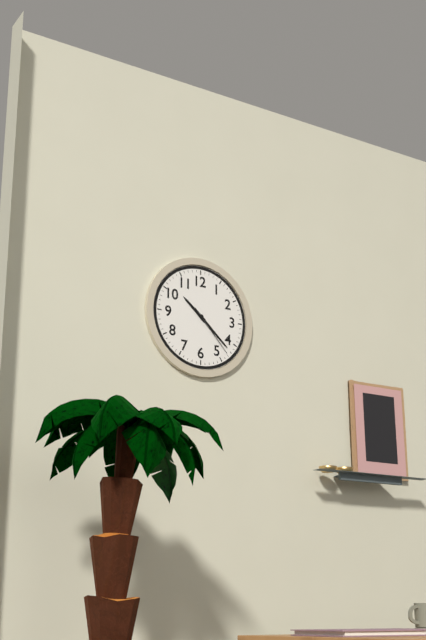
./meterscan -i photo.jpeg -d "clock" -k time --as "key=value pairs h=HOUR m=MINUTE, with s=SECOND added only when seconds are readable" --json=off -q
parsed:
h=10 m=22 s=23
